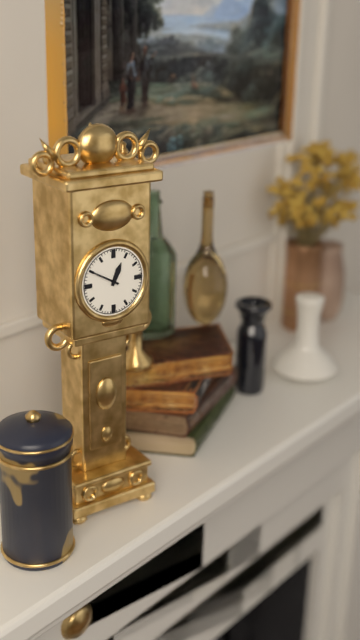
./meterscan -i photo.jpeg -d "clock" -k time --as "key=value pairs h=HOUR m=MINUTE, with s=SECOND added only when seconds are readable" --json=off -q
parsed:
h=12 m=50
